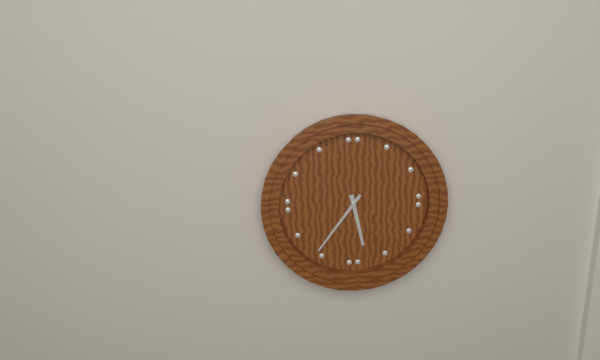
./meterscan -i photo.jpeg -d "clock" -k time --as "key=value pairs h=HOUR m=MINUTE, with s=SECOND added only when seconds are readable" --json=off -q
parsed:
h=5 m=36
